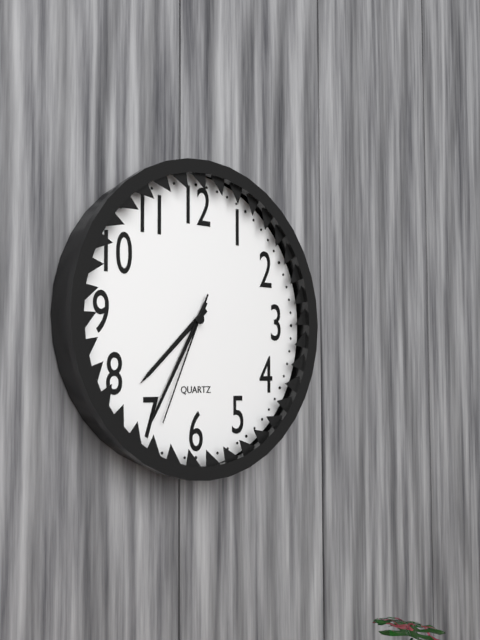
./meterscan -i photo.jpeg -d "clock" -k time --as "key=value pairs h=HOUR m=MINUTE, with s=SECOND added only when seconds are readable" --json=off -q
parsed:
h=7 m=35 s=34
